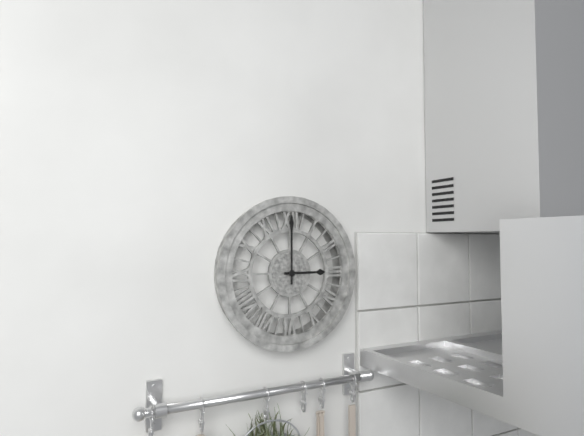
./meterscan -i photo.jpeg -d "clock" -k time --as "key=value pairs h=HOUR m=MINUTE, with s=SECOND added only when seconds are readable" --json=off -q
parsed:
h=3 m=0
